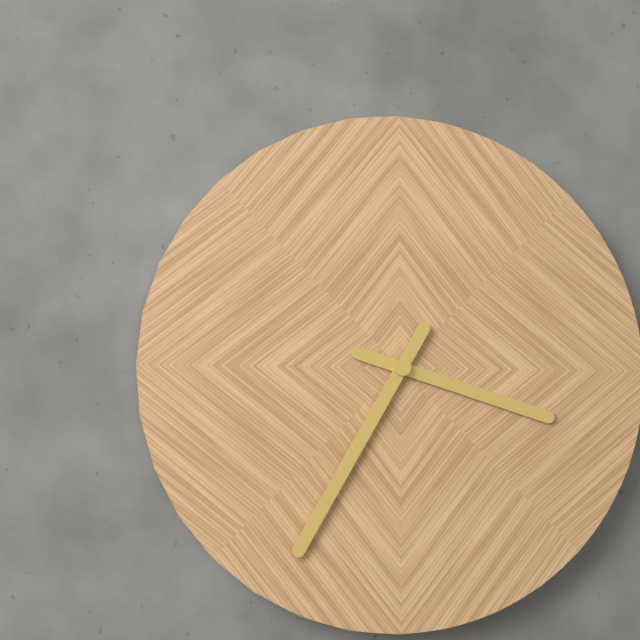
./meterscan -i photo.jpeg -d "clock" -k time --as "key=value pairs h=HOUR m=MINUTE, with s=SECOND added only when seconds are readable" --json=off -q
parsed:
h=3 m=35
